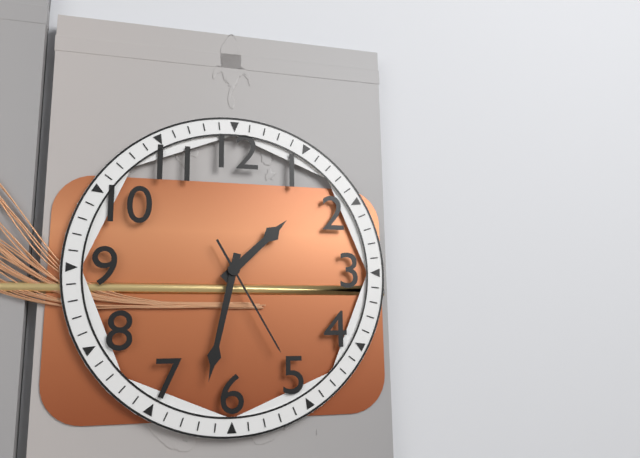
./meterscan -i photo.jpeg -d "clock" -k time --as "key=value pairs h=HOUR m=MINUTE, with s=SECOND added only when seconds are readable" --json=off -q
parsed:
h=1 m=32 s=25
